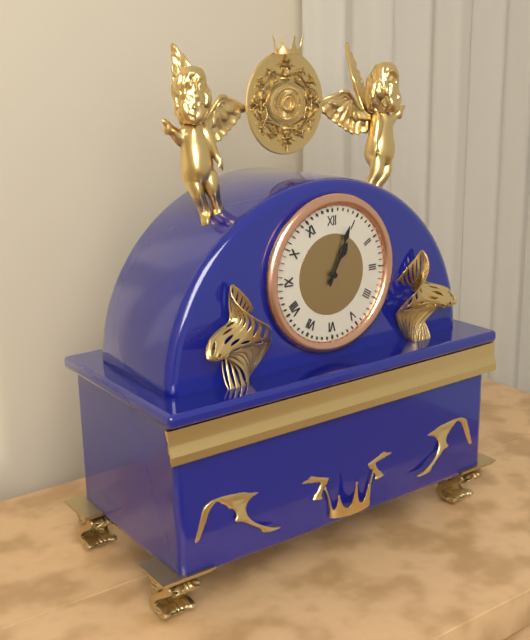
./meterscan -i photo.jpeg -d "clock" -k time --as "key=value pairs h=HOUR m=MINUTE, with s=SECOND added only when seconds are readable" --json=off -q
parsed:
h=1 m=4
